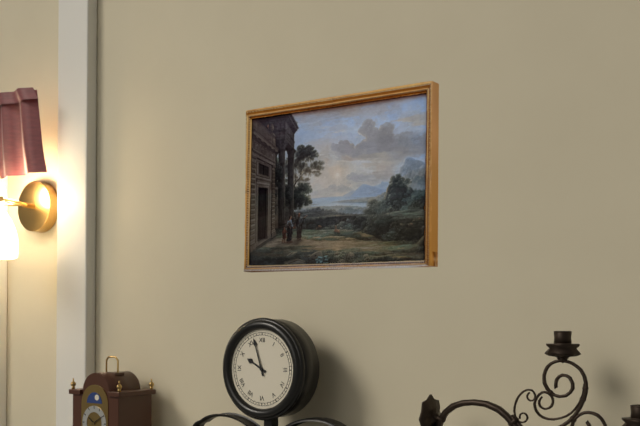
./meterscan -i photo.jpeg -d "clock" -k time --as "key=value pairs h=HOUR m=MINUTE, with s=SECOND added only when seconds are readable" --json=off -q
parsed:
h=9 m=57
